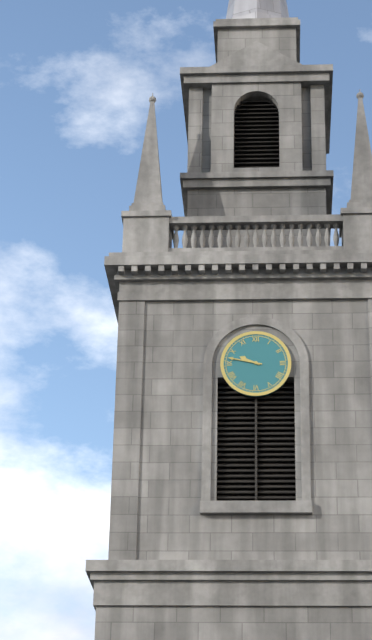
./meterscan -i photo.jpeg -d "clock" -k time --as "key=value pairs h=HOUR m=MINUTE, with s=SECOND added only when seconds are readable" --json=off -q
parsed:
h=9 m=47
